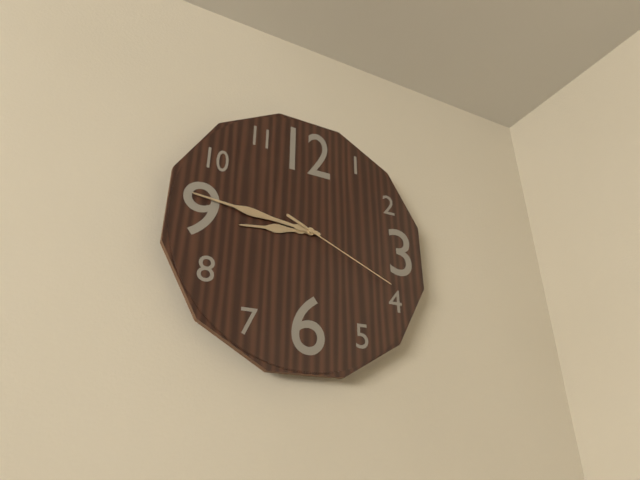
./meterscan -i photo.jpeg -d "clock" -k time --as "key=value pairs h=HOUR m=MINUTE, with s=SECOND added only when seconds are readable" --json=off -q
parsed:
h=8 m=46 s=19
